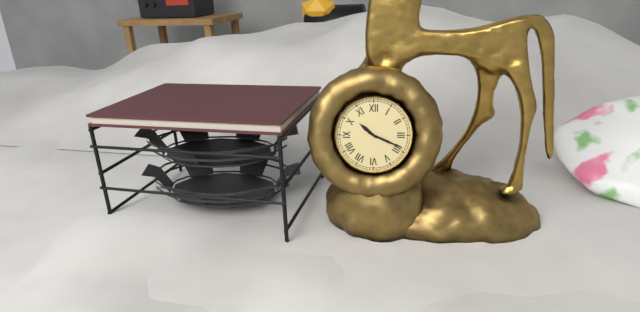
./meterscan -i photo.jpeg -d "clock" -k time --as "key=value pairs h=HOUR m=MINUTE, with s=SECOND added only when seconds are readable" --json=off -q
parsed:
h=10 m=19
